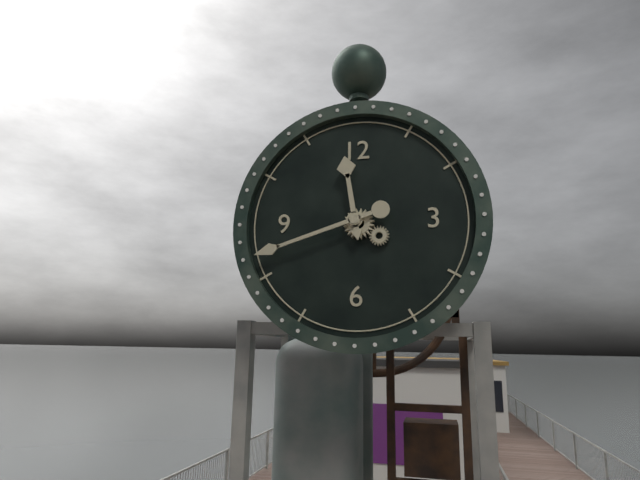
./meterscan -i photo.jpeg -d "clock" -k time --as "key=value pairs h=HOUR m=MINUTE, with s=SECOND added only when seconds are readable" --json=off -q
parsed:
h=11 m=42
